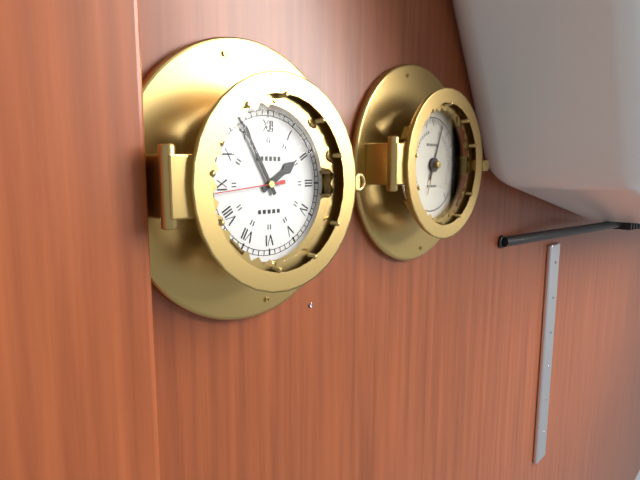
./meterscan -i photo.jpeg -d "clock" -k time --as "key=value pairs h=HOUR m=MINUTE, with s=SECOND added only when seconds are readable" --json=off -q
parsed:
h=1 m=55 s=44
